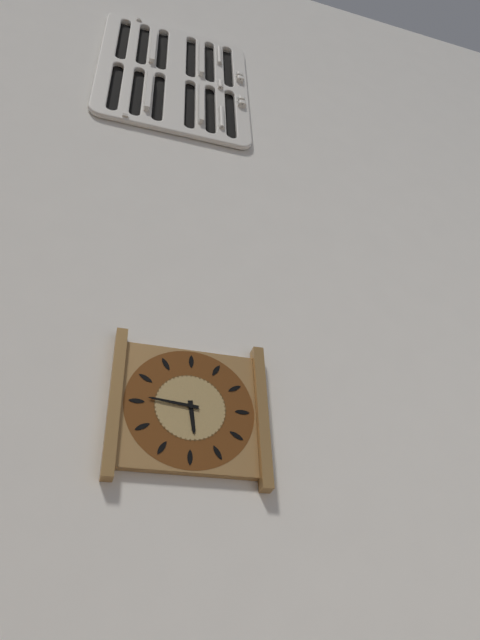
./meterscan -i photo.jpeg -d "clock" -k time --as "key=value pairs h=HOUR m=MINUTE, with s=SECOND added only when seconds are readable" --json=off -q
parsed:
h=5 m=46
